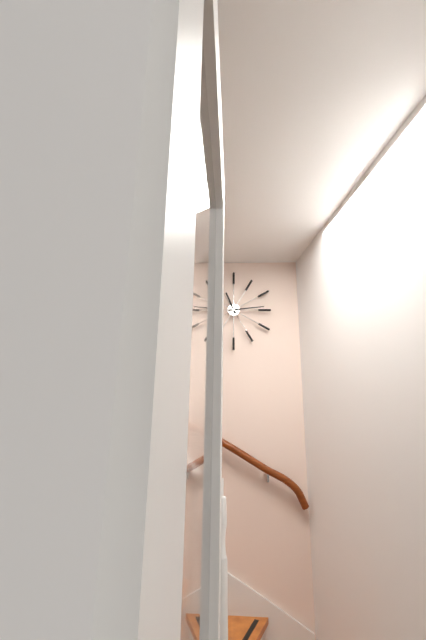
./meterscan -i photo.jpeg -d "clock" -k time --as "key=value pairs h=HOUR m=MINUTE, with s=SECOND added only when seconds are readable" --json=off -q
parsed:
h=11 m=14
